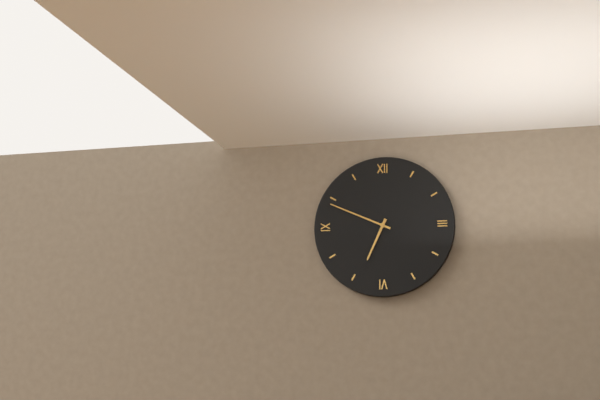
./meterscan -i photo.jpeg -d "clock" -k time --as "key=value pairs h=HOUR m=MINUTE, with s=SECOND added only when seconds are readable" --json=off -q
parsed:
h=6 m=49
